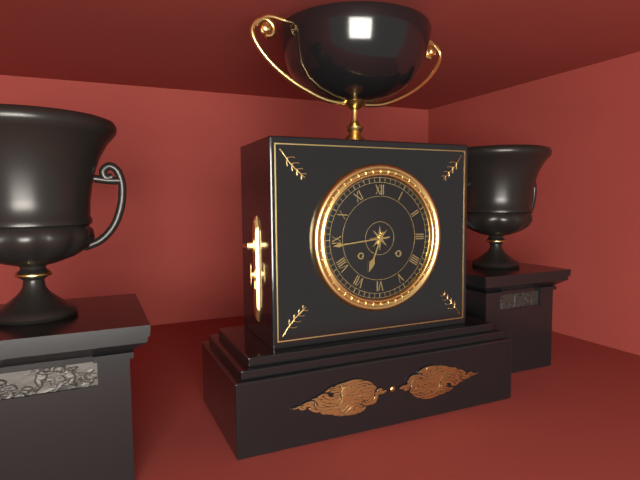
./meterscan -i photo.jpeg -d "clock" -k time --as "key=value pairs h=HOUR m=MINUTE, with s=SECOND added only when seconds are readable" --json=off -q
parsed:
h=6 m=44
